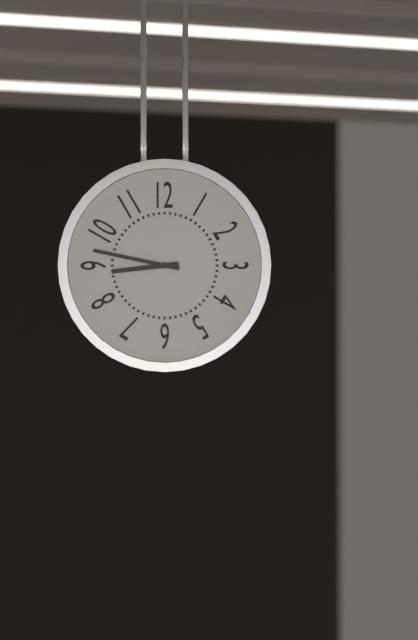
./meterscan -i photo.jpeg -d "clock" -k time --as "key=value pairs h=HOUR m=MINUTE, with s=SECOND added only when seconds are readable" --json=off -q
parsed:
h=8 m=47
